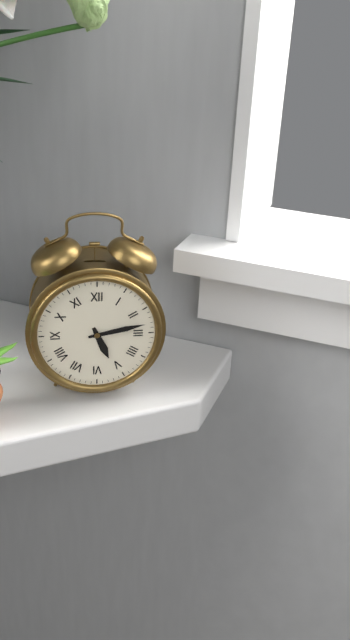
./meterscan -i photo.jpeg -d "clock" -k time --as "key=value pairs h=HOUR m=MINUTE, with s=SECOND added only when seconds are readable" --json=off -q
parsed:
h=5 m=13
